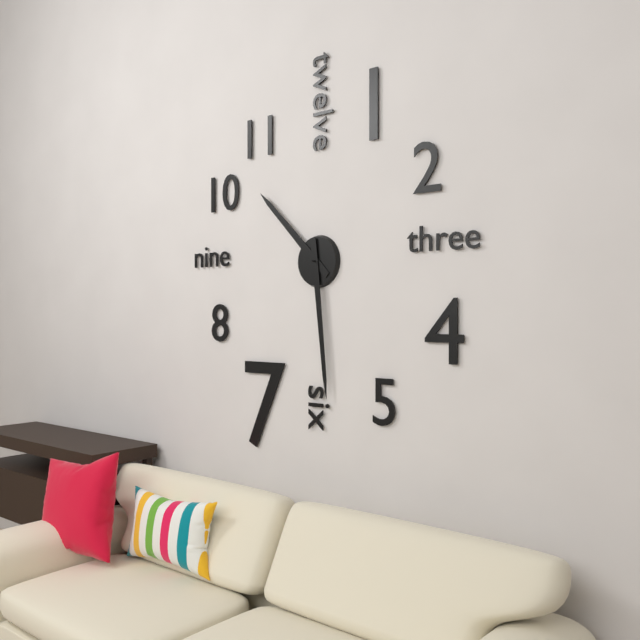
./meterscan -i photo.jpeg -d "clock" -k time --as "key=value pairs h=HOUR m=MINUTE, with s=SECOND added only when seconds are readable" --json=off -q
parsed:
h=10 m=29
